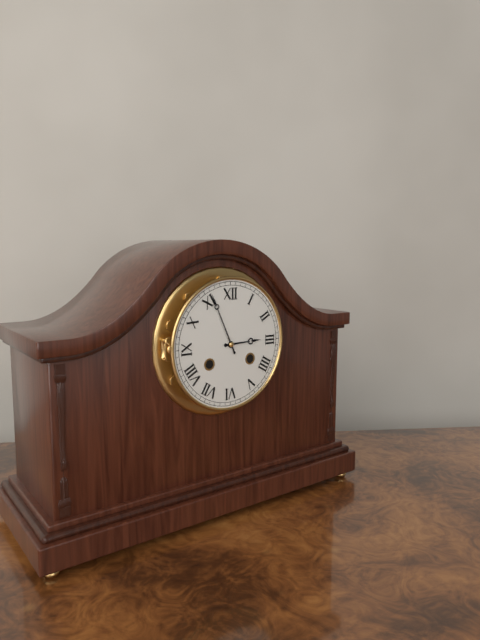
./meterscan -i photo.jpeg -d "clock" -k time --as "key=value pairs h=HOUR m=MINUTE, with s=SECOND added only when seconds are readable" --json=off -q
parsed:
h=2 m=56
